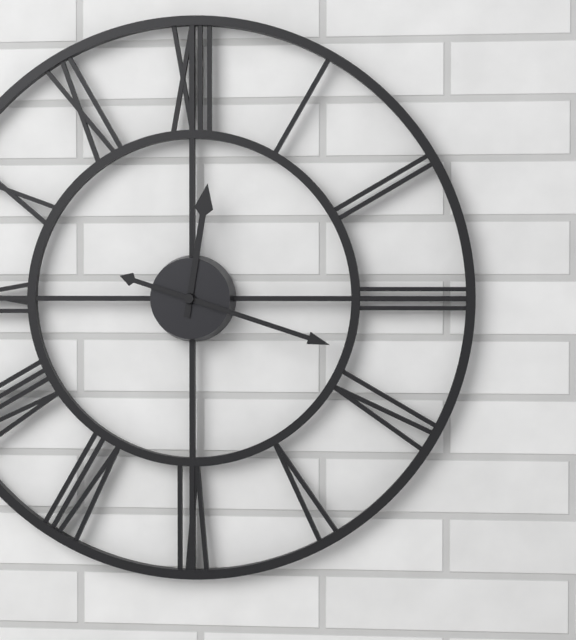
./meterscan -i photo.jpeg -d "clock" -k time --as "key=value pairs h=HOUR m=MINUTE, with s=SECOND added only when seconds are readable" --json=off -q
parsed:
h=12 m=18
